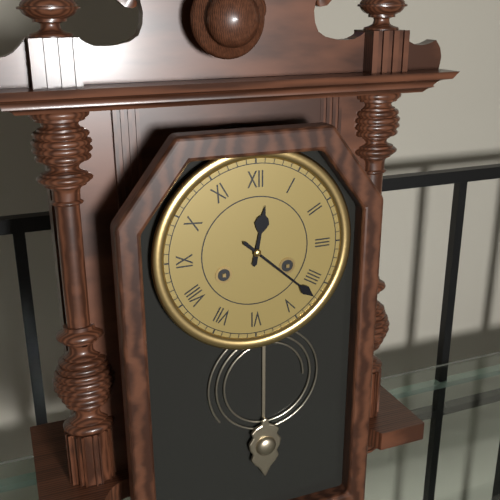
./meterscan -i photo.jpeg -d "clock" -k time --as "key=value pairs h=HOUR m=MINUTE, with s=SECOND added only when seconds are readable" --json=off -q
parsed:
h=12 m=22
